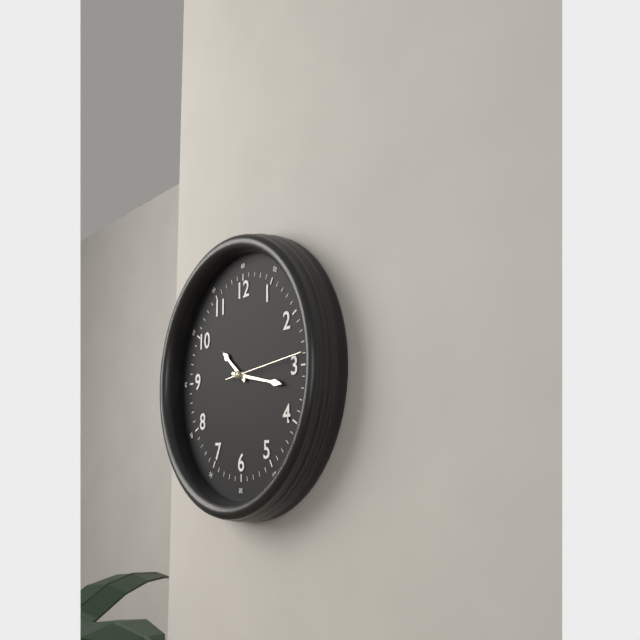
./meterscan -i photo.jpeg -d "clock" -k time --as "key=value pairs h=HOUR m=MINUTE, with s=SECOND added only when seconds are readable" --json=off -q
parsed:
h=10 m=17 s=14
